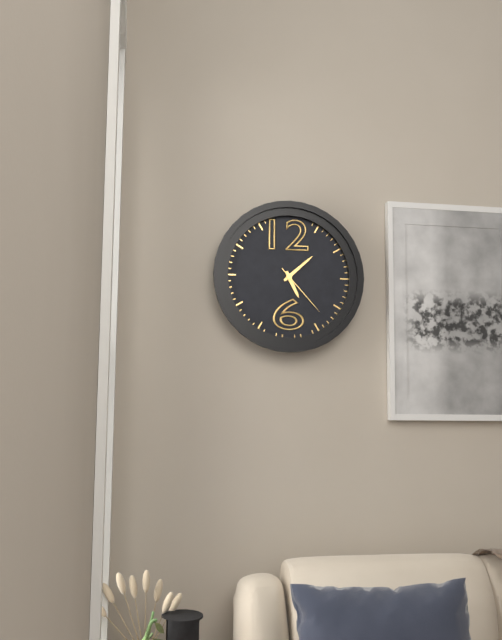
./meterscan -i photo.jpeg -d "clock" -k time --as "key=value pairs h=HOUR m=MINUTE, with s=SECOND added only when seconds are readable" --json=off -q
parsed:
h=5 m=8 s=23
